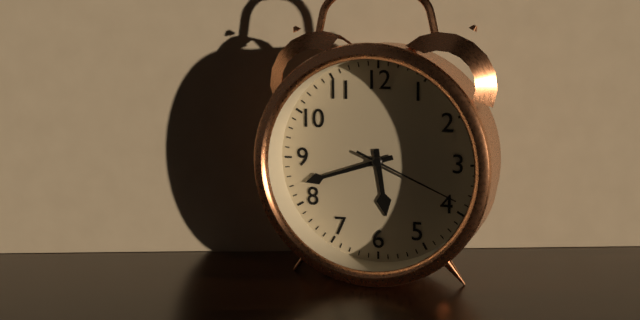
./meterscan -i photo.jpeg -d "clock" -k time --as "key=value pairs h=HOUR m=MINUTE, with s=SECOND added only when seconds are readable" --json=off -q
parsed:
h=5 m=42 s=19
